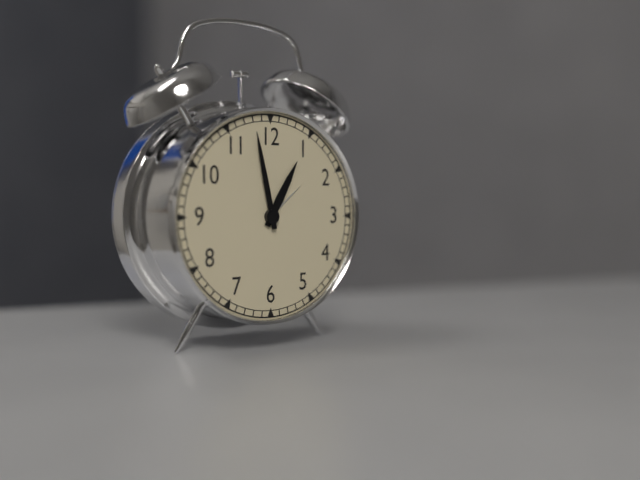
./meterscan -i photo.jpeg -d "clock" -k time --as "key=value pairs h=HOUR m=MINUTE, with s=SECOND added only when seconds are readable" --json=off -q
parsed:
h=12 m=58
